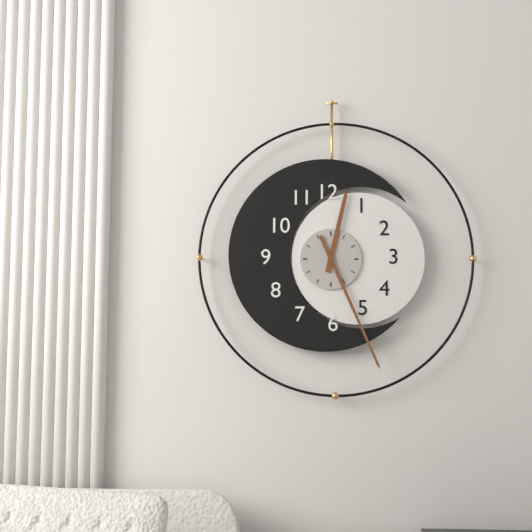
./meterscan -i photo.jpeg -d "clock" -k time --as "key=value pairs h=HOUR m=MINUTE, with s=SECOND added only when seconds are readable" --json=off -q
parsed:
h=12 m=26
